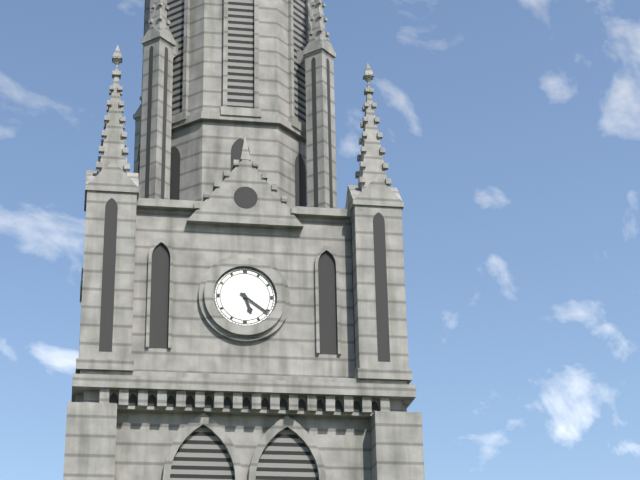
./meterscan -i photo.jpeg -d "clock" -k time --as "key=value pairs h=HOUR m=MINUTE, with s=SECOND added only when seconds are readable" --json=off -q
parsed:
h=5 m=21
